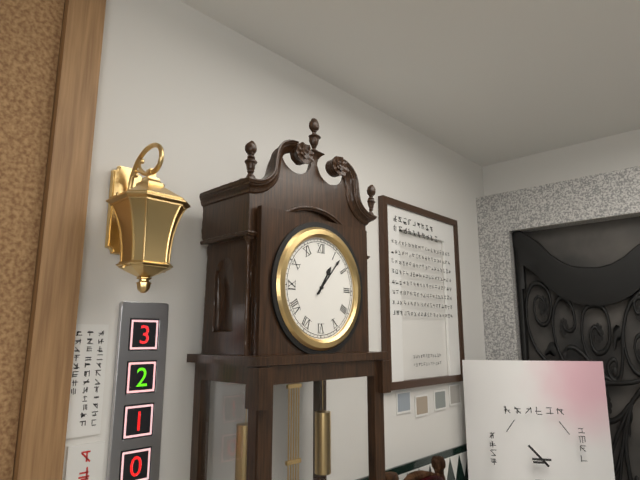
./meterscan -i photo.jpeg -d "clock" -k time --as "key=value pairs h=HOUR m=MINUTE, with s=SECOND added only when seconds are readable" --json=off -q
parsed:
h=1 m=7
